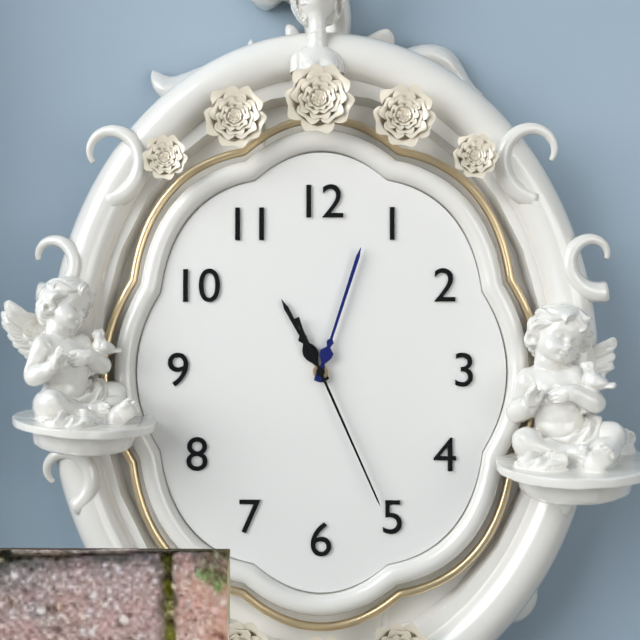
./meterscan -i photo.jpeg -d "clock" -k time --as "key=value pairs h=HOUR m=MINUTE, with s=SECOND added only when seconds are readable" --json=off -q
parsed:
h=11 m=3 s=26
